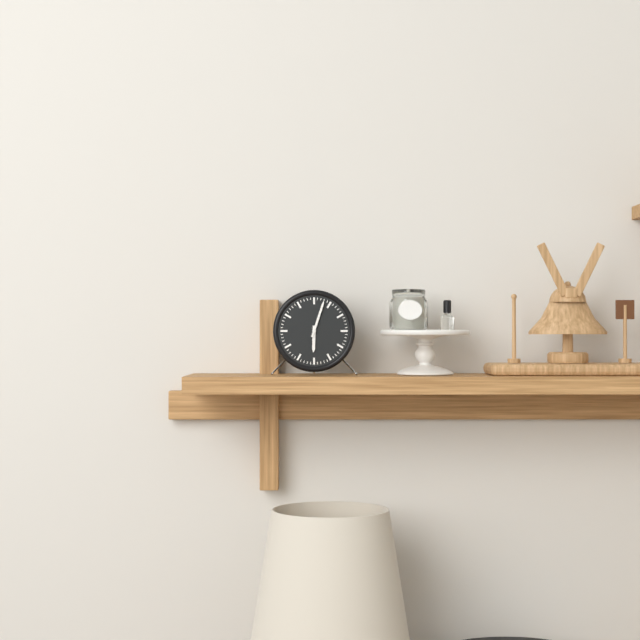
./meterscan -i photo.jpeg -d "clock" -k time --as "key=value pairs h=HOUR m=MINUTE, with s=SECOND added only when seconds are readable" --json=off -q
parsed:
h=6 m=3
